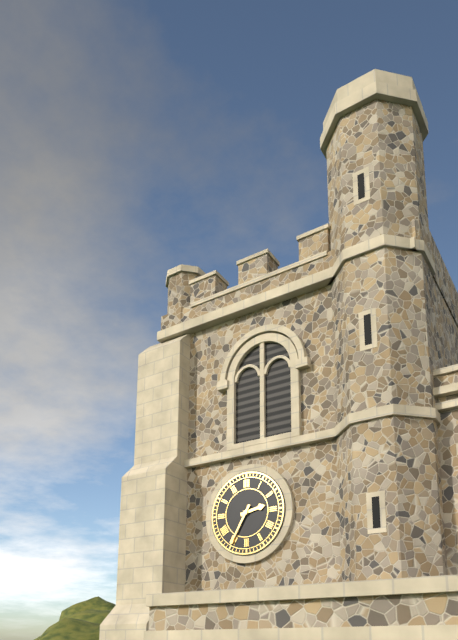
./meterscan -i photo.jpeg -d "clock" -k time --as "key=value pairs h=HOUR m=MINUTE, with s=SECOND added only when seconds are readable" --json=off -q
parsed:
h=2 m=35
